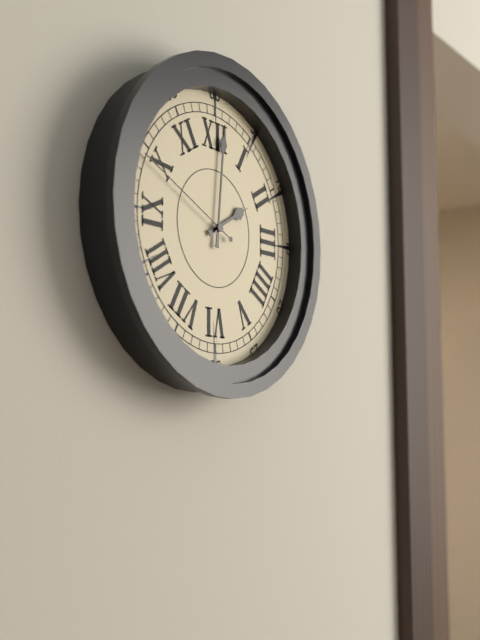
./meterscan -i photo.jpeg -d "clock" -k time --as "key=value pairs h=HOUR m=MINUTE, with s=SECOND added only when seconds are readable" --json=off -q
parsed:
h=2 m=1 s=49
